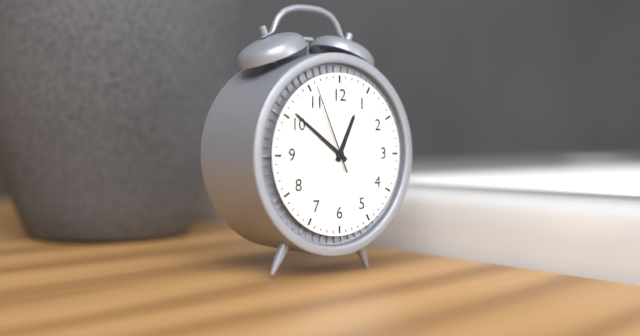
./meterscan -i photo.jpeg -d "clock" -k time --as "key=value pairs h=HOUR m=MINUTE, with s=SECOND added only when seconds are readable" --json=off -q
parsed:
h=12 m=51 s=56
